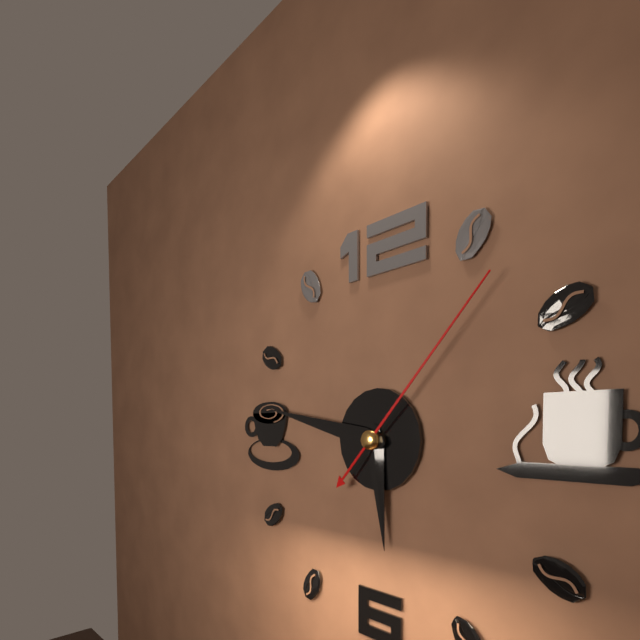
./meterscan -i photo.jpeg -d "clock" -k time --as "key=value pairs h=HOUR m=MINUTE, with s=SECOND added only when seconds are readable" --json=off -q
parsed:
h=5 m=47 s=7
